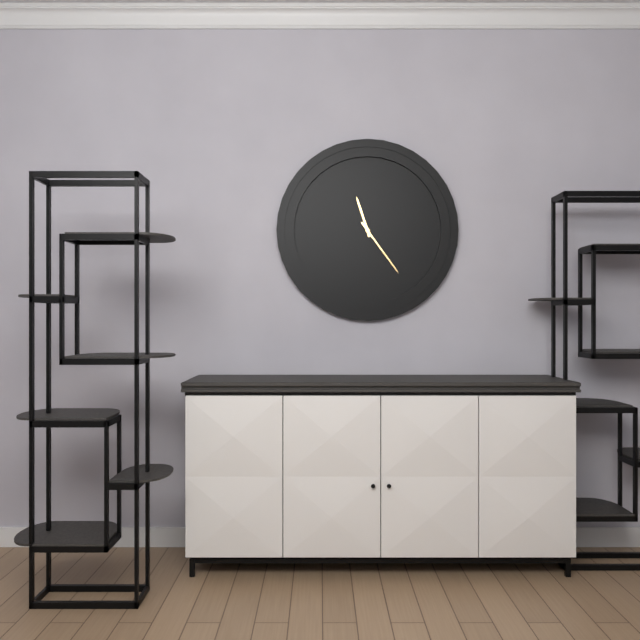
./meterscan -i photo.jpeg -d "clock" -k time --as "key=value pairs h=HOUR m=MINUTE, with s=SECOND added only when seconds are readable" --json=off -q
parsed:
h=11 m=24
